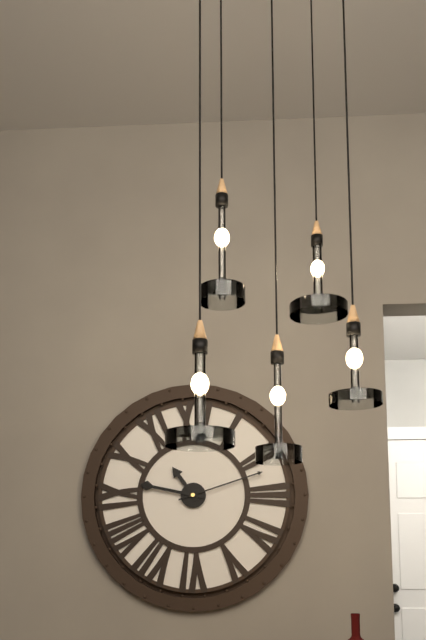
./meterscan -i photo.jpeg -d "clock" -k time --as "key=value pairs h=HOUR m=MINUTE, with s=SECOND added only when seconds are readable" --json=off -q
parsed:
h=10 m=47 s=12
